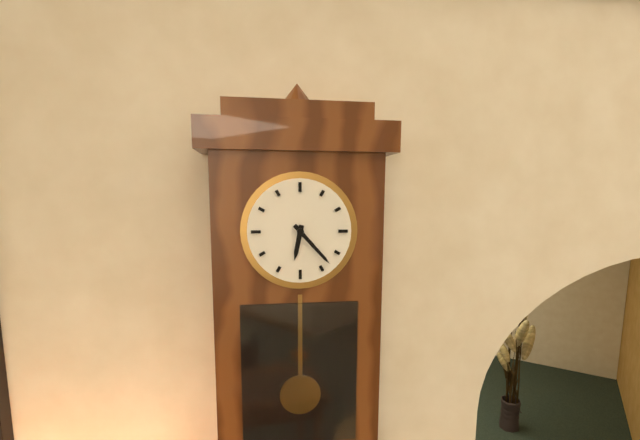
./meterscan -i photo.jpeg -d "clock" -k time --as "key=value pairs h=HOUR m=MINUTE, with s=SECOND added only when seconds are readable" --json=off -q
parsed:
h=6 m=23
